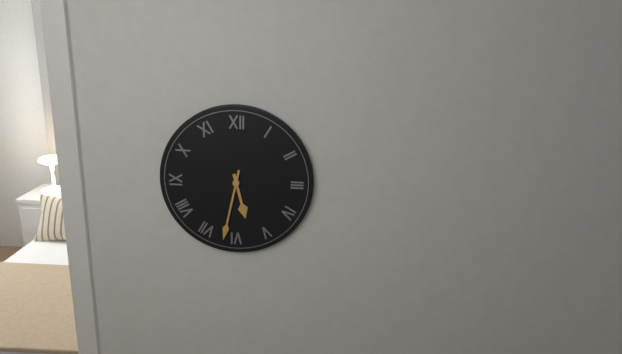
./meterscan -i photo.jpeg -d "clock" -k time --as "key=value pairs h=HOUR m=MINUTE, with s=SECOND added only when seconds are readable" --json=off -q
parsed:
h=5 m=32
